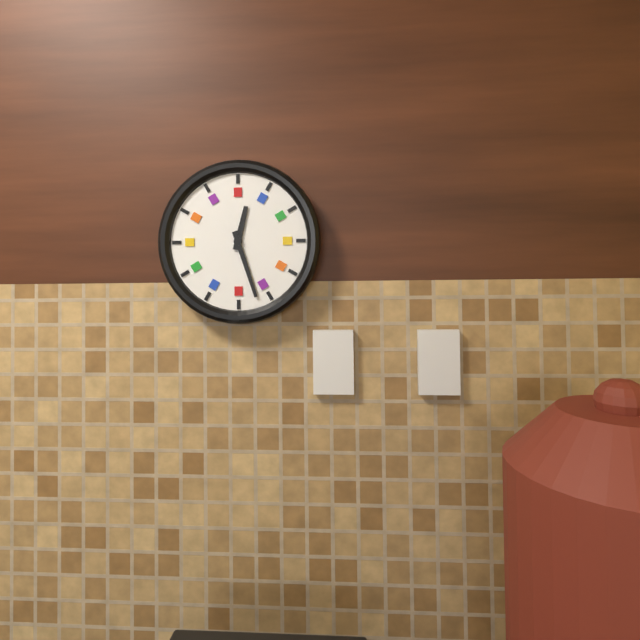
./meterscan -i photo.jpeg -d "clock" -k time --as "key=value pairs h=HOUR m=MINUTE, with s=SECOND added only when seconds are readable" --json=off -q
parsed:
h=12 m=27
